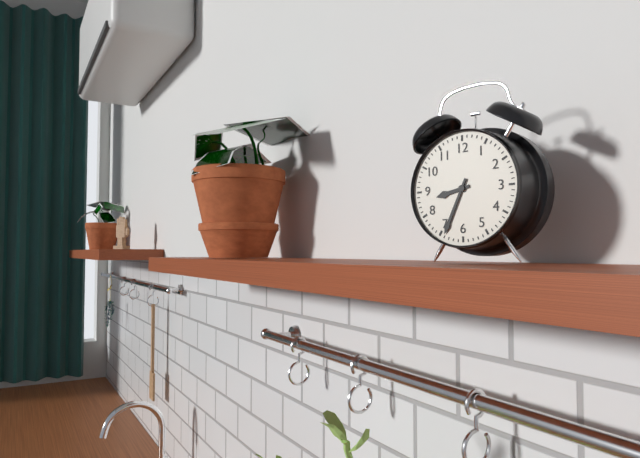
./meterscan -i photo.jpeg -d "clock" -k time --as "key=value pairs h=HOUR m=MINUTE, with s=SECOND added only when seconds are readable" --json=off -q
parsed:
h=8 m=34
